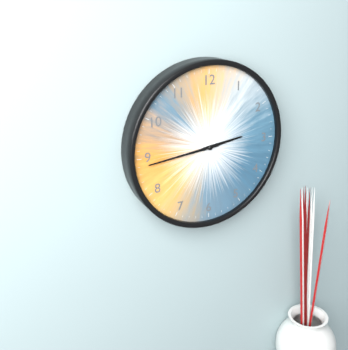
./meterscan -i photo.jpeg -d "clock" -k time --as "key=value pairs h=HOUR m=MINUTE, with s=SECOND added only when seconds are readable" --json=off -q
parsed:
h=2 m=44
